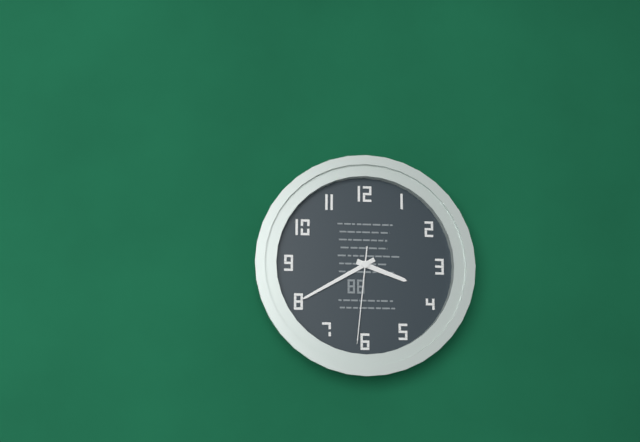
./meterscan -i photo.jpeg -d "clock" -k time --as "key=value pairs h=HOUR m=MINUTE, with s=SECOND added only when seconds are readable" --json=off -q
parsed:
h=3 m=40 s=31
